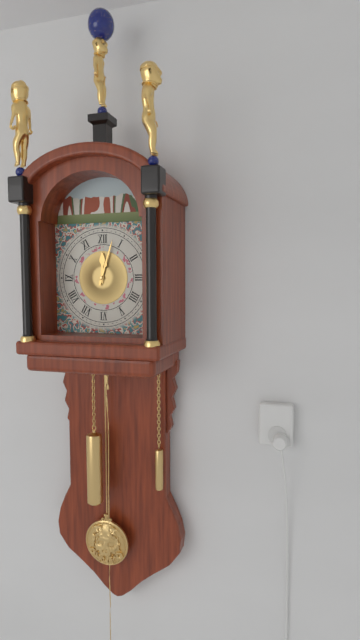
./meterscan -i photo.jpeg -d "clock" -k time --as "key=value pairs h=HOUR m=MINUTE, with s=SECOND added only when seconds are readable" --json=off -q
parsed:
h=12 m=3
